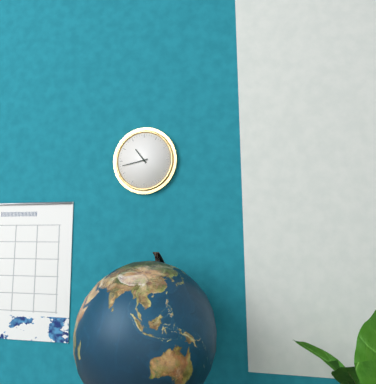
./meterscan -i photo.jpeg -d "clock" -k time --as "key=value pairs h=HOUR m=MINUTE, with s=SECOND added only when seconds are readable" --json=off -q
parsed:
h=10 m=43
